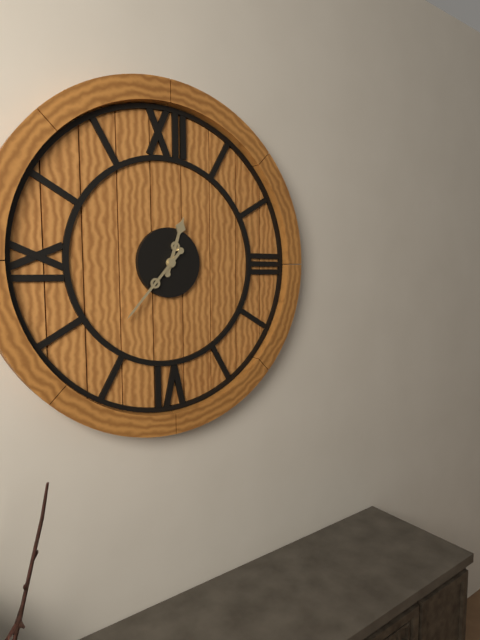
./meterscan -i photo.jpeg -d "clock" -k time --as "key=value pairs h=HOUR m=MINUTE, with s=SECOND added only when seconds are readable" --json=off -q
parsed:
h=12 m=37
